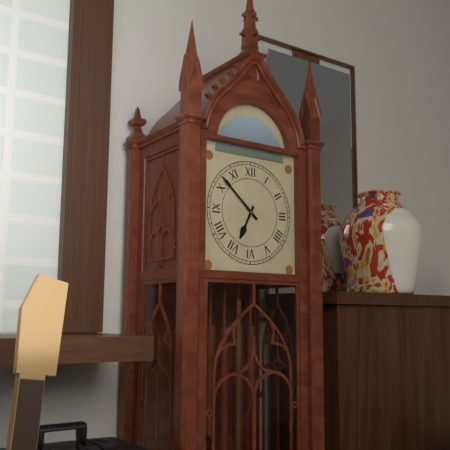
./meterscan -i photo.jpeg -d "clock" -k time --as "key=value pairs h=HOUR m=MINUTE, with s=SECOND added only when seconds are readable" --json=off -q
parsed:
h=6 m=52
